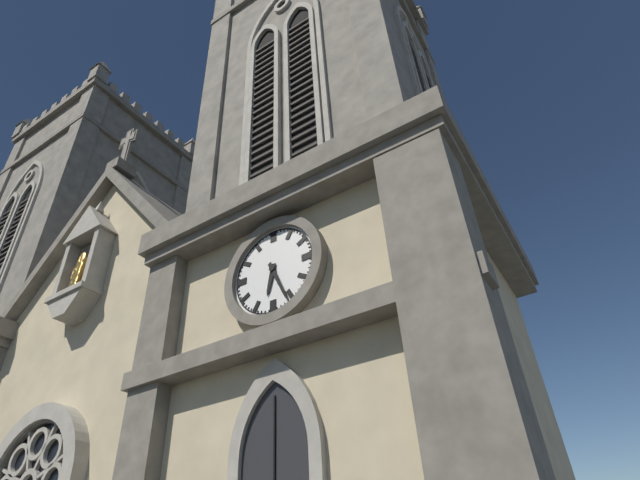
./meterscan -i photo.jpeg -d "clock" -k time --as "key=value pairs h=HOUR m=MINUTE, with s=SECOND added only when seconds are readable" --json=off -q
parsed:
h=6 m=26
